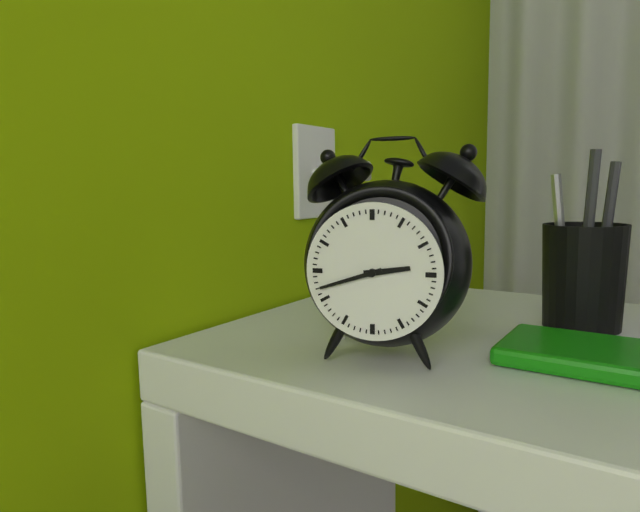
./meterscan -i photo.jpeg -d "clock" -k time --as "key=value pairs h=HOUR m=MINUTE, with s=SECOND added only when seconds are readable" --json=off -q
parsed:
h=2 m=42
